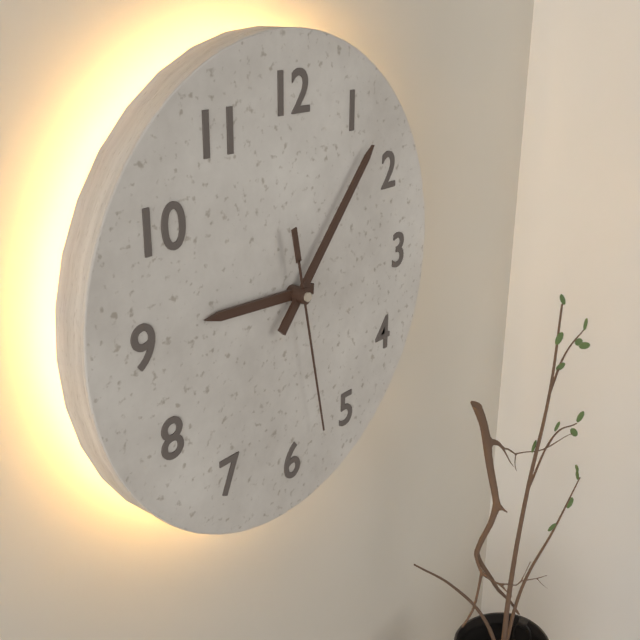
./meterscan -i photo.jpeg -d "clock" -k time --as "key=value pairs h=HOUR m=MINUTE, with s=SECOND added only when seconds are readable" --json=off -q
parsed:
h=9 m=7 s=28
